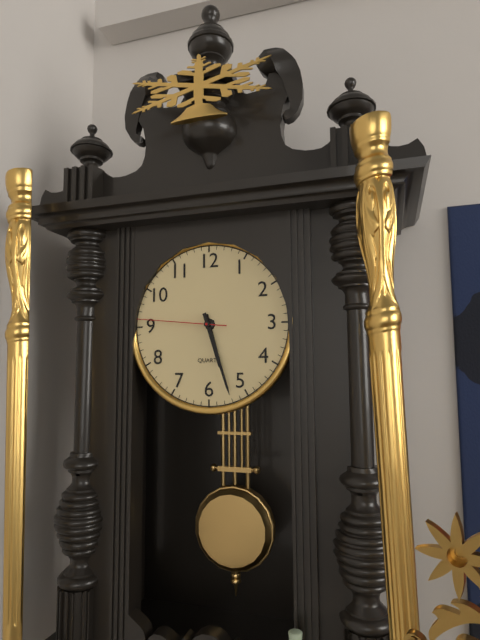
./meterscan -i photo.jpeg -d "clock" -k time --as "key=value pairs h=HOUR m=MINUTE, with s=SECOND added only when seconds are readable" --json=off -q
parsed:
h=5 m=27 s=46
